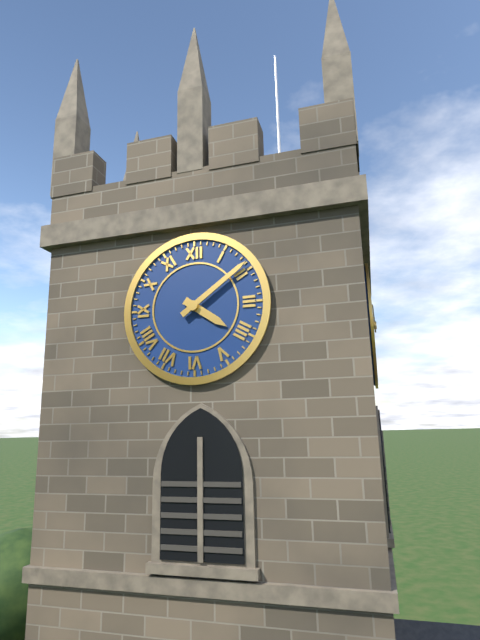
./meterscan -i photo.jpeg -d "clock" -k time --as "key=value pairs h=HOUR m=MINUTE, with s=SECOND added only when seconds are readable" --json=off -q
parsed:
h=4 m=9
